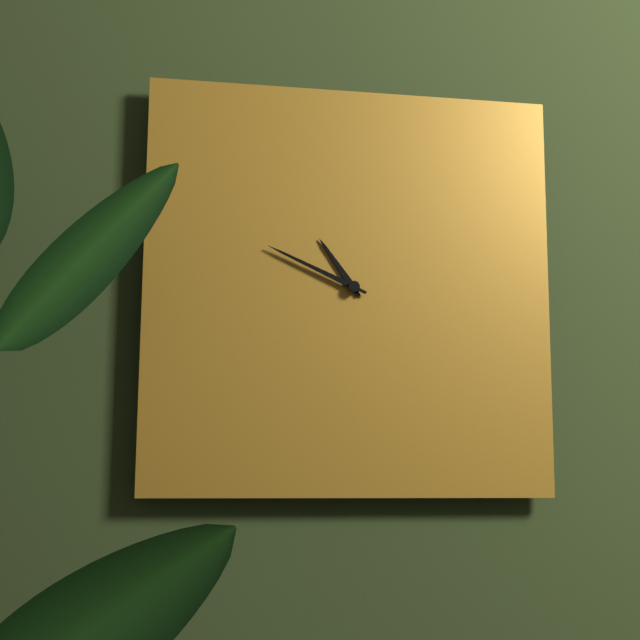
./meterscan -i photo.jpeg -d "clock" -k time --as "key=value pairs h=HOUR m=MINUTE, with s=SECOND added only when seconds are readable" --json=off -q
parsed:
h=10 m=49
